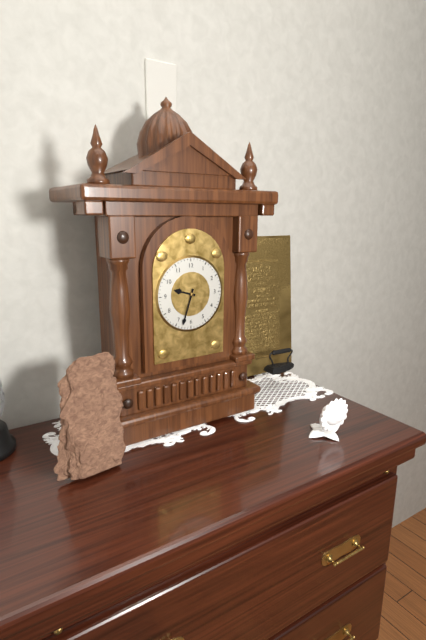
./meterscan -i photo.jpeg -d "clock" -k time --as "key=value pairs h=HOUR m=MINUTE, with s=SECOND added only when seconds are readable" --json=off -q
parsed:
h=9 m=33
